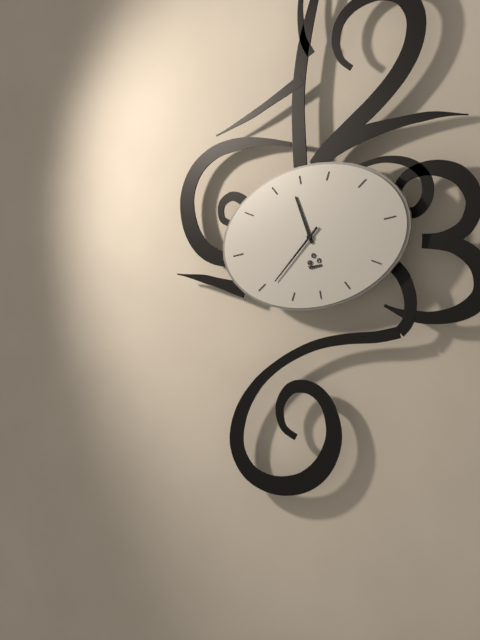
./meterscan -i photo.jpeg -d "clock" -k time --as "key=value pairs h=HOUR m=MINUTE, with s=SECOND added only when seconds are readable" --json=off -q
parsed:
h=11 m=39
